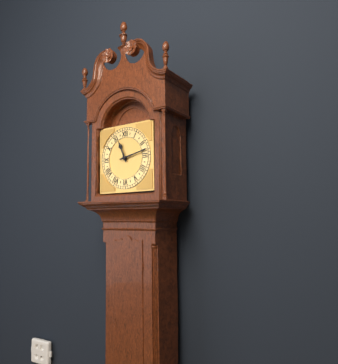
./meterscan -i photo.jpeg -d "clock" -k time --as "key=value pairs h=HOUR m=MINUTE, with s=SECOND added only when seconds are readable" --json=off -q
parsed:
h=11 m=13
